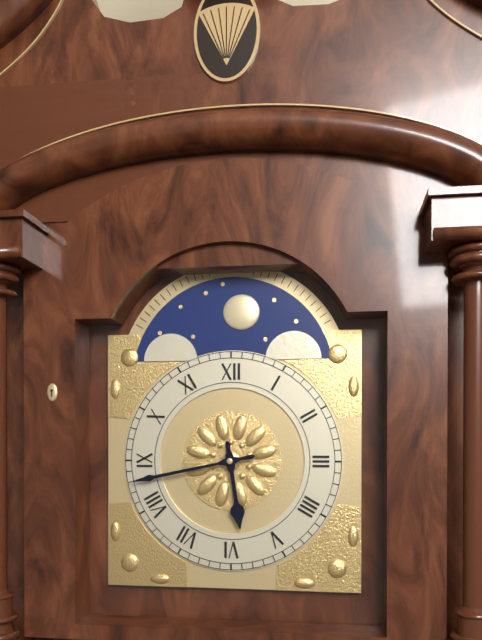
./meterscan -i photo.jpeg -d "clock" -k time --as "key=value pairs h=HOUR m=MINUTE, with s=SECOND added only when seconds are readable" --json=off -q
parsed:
h=5 m=43
